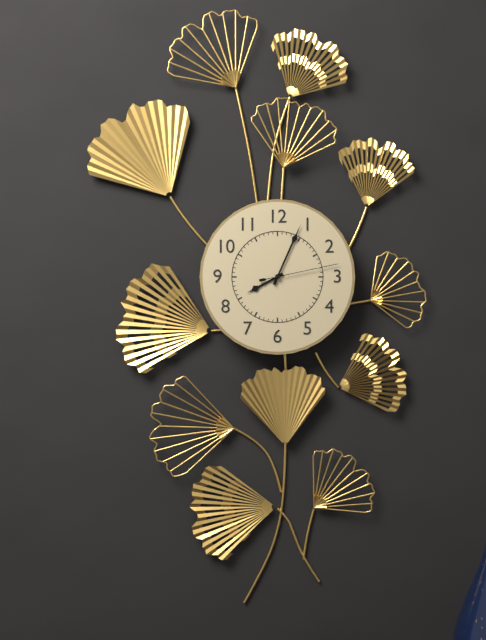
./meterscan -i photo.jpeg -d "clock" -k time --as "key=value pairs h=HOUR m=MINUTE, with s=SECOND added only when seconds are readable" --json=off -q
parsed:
h=8 m=4 s=13
